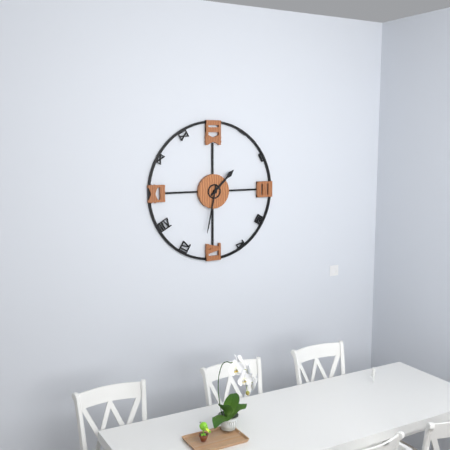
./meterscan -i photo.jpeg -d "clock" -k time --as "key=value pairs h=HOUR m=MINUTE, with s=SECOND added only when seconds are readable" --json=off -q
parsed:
h=1 m=32
